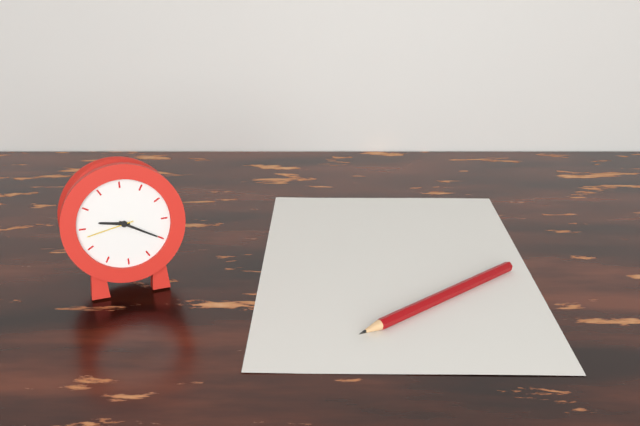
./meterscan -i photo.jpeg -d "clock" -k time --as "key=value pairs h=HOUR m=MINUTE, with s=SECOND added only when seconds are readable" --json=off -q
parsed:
h=9 m=20
